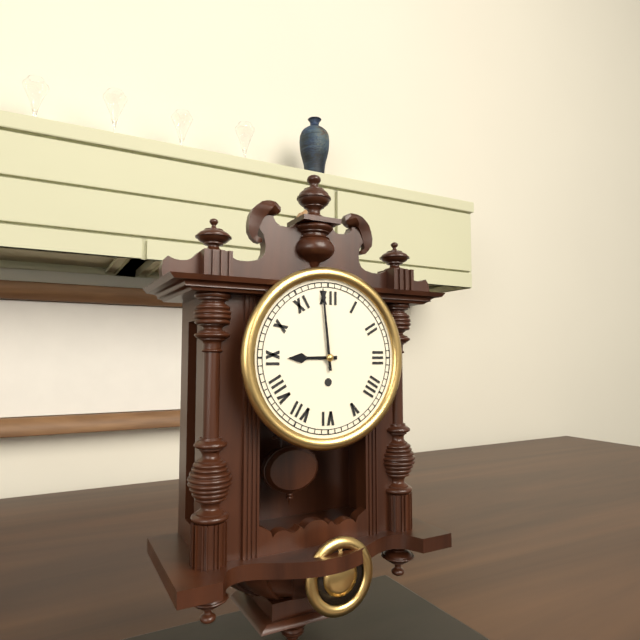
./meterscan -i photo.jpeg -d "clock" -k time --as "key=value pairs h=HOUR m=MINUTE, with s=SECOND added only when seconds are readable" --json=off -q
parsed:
h=8 m=59
